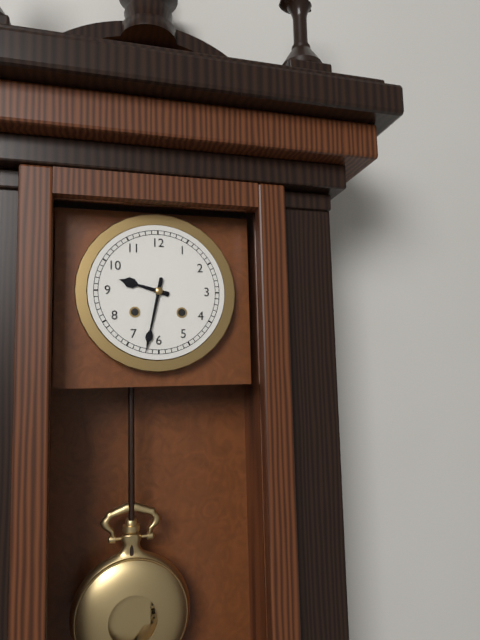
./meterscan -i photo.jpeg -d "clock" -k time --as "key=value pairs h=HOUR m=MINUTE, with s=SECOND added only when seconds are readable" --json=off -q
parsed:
h=9 m=32
